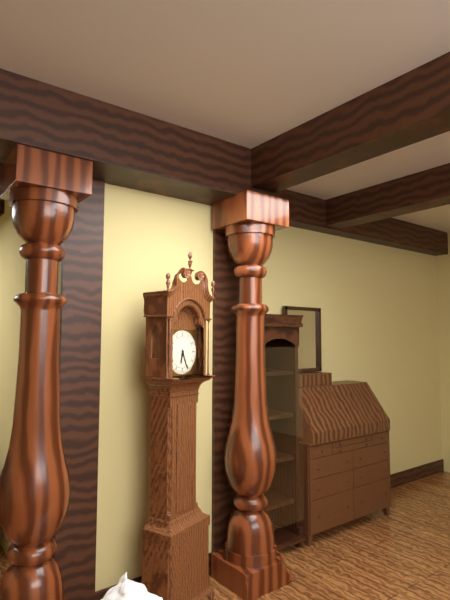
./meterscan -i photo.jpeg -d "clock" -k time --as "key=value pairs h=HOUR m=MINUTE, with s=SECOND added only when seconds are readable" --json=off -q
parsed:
h=6 m=26
